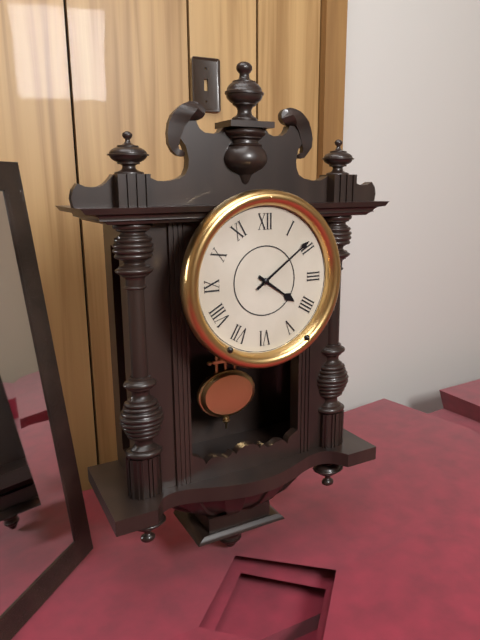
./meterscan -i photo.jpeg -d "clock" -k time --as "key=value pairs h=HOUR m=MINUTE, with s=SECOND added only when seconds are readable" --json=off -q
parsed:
h=4 m=9
